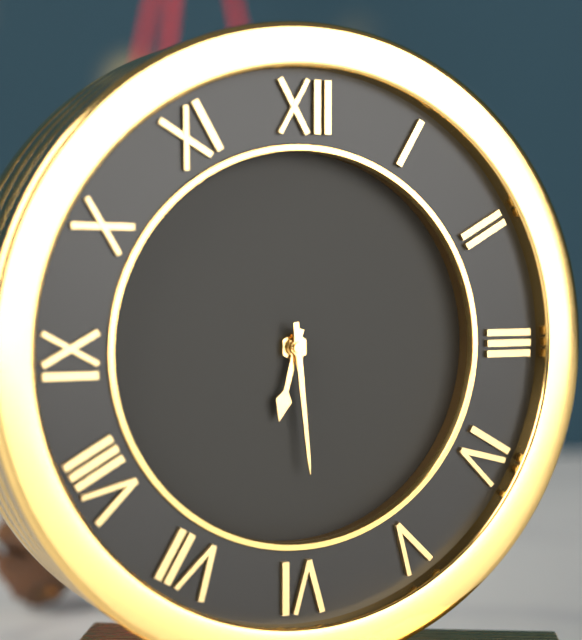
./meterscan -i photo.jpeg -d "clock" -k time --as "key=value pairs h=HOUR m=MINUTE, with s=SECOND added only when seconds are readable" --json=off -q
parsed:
h=6 m=29
